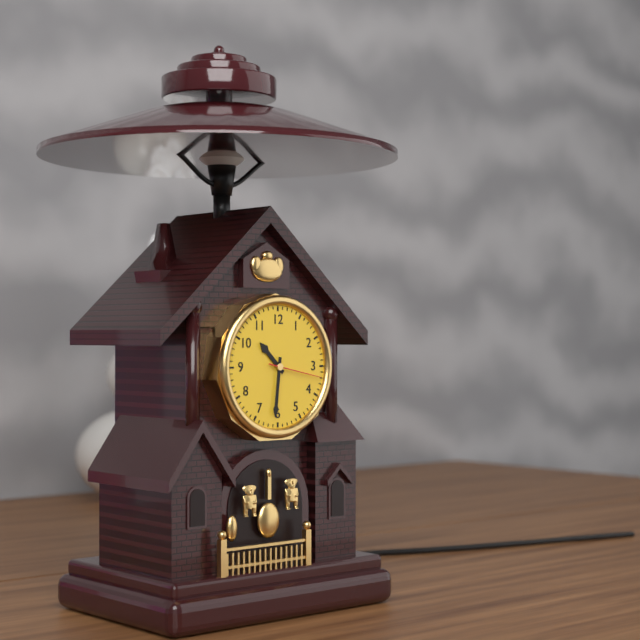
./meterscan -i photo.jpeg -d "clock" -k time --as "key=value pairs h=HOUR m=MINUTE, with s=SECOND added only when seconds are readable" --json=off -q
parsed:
h=10 m=31 s=17
